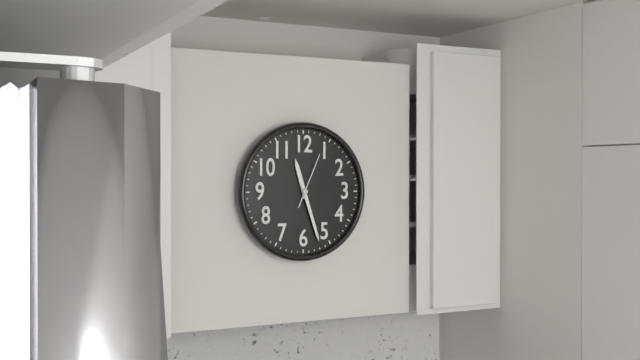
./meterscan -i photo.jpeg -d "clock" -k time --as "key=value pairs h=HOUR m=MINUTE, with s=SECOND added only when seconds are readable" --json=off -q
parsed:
h=11 m=27 s=4
